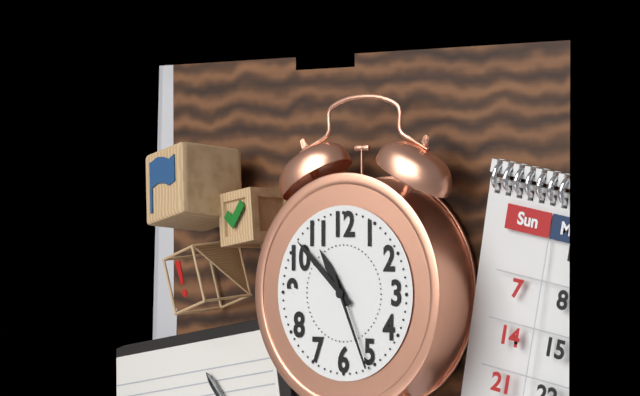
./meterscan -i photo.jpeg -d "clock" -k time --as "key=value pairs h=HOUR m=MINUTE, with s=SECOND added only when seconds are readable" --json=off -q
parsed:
h=10 m=52 s=26
